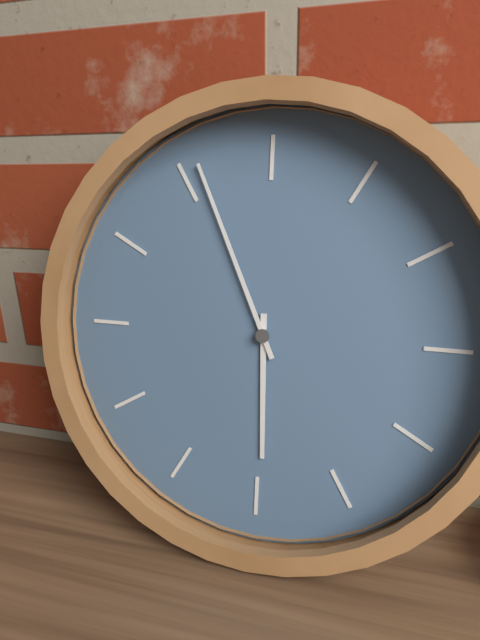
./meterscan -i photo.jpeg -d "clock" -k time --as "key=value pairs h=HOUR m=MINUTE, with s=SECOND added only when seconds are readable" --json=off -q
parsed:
h=5 m=56
